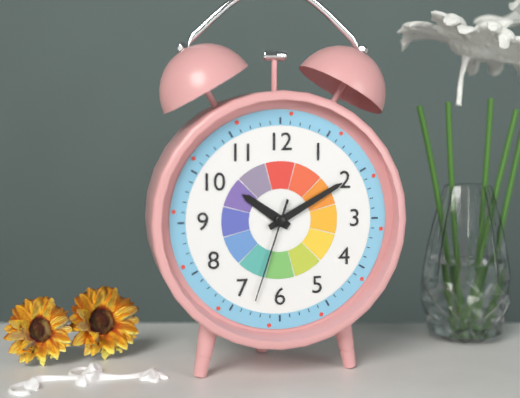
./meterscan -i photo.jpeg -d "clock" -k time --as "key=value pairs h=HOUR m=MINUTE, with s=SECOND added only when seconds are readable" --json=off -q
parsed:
h=10 m=10 s=33
